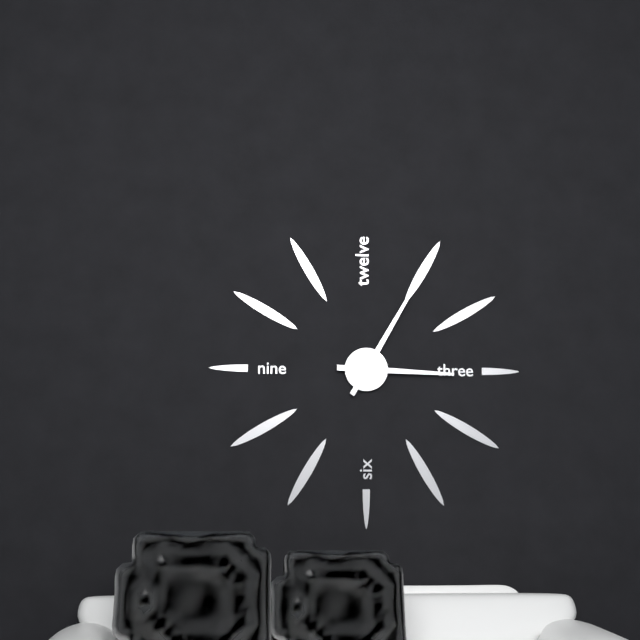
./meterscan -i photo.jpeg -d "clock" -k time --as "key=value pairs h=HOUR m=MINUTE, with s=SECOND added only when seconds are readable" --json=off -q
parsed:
h=3 m=5
